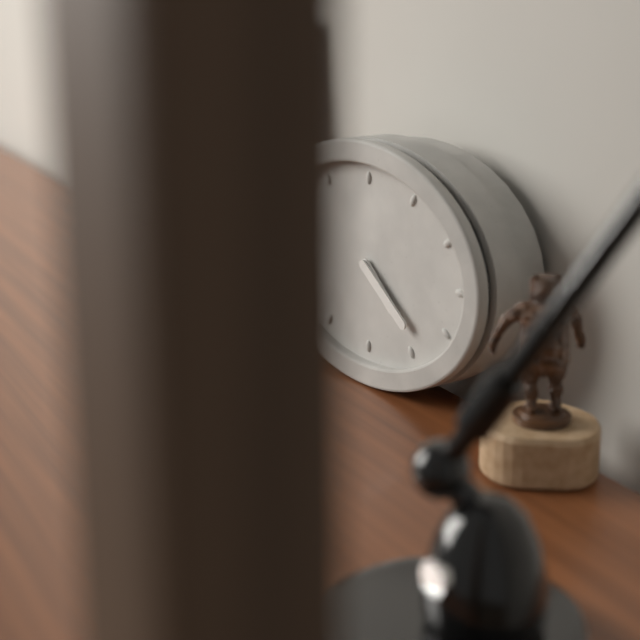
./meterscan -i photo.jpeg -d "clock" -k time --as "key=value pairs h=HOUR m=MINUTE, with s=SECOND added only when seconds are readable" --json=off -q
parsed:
h=4 m=21
